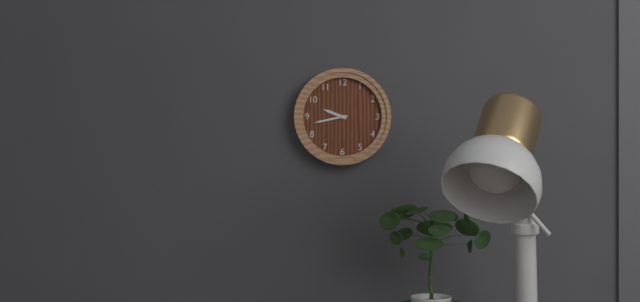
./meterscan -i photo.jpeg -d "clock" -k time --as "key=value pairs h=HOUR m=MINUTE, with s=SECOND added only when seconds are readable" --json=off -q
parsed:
h=9 m=43
